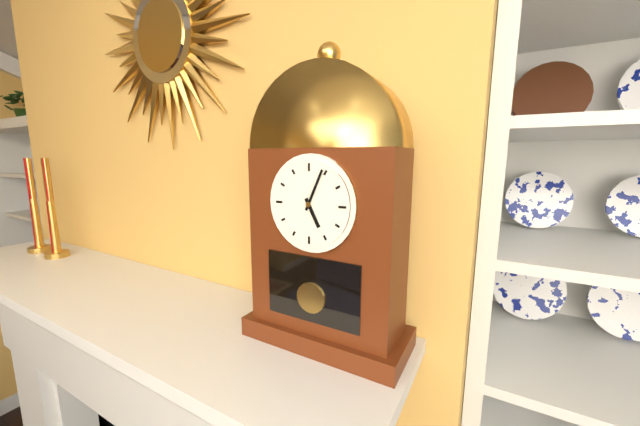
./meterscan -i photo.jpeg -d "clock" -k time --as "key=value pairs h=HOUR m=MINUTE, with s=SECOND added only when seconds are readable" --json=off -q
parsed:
h=5 m=4
